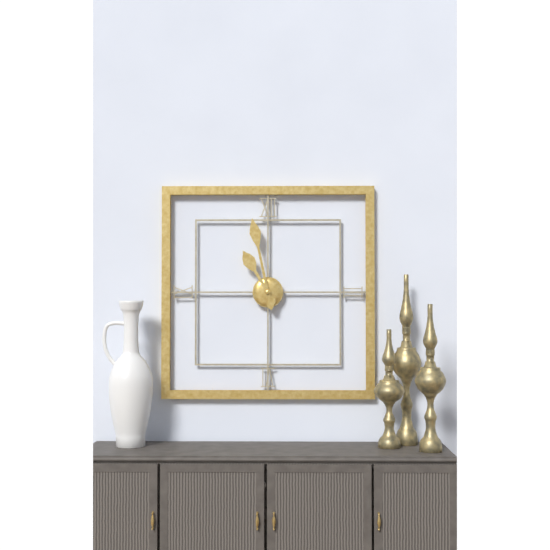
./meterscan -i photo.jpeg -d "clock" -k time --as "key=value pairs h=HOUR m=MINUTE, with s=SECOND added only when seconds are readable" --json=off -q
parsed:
h=10 m=58
